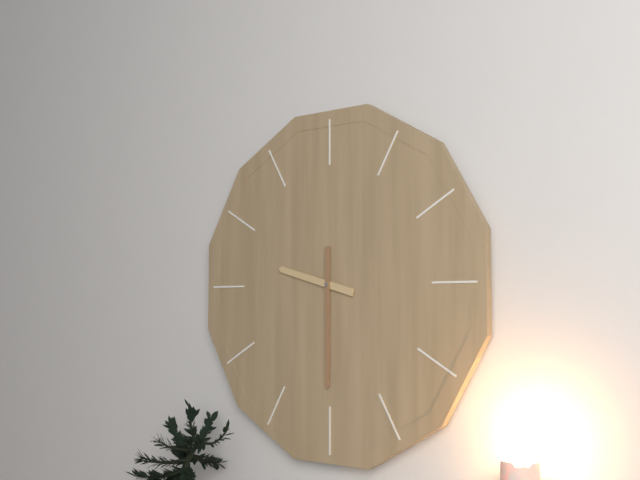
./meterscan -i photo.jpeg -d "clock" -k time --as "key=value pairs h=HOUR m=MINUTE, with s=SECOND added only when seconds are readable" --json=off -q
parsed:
h=9 m=30
